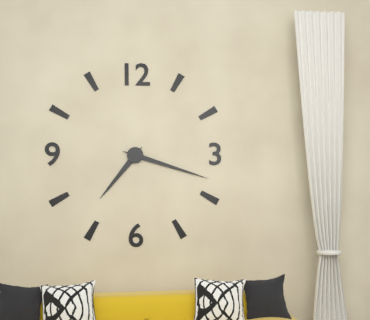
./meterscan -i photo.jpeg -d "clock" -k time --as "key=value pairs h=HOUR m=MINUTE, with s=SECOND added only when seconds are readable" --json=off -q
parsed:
h=7 m=18
